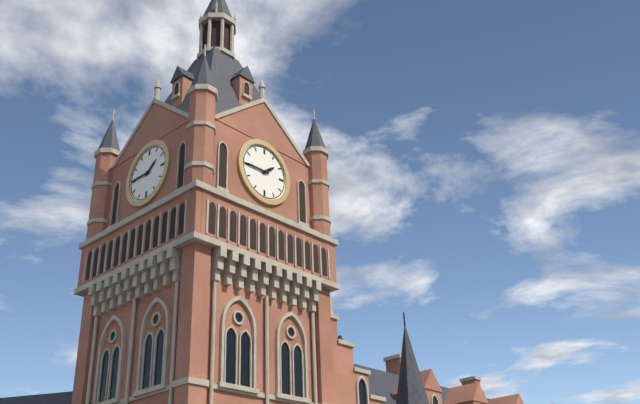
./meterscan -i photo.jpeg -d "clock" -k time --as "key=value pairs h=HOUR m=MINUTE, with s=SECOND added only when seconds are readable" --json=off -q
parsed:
h=1 m=45
